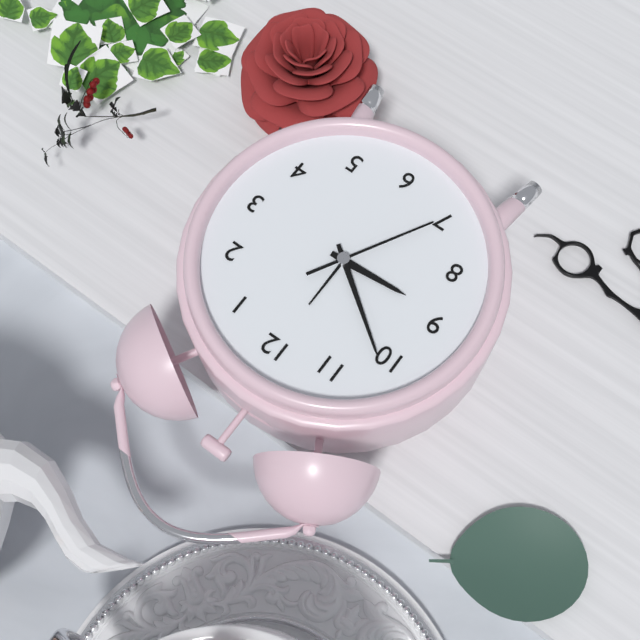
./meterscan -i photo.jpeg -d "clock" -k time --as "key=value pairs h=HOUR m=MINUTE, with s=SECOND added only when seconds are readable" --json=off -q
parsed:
h=8 m=51 s=35
